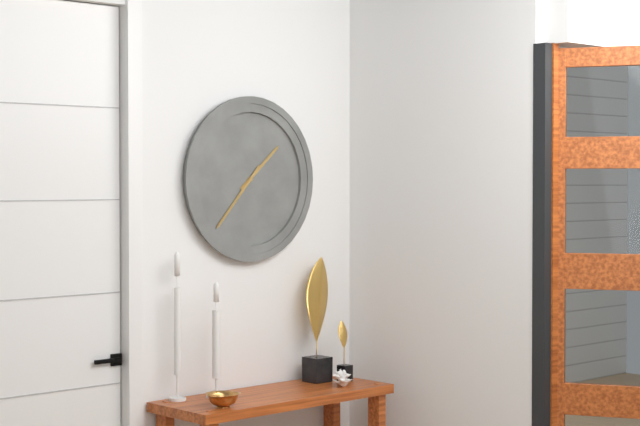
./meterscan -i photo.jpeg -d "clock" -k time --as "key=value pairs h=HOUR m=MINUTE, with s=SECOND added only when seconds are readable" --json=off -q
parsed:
h=1 m=37
